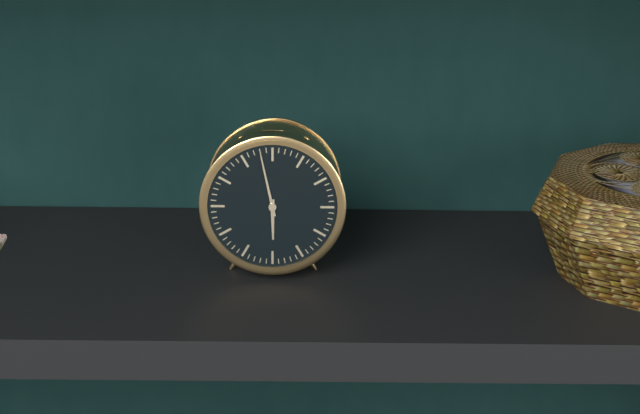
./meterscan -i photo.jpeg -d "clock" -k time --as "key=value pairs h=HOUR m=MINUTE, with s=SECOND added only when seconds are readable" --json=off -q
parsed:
h=5 m=58
